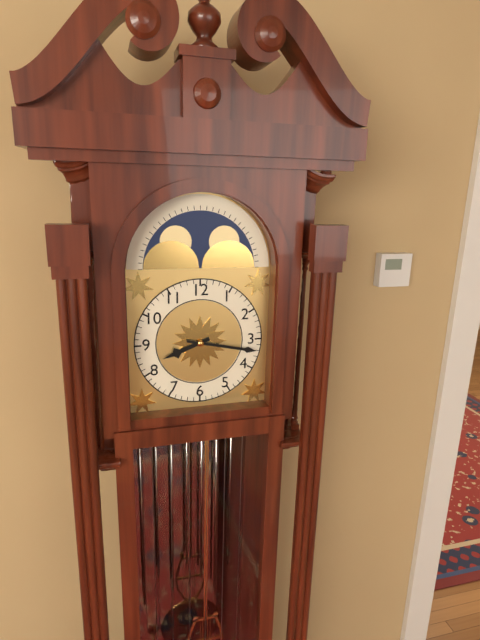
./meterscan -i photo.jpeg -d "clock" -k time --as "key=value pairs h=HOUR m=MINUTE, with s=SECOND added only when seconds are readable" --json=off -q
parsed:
h=8 m=17
